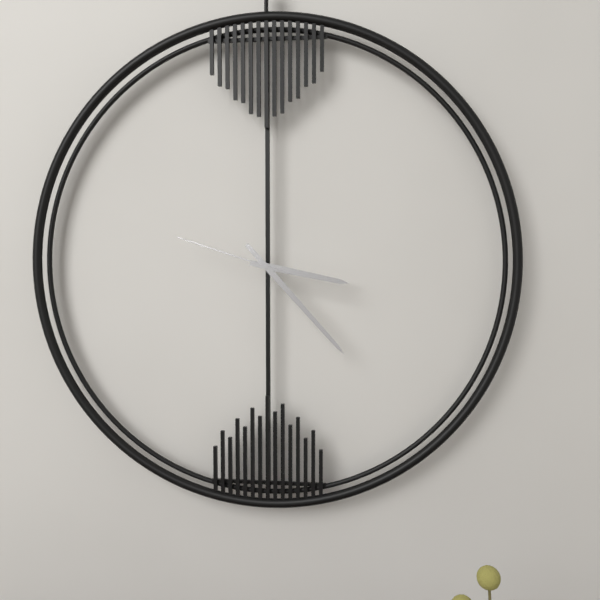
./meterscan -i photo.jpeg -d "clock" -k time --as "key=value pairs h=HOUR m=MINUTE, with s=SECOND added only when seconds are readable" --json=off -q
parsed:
h=3 m=23 s=48
